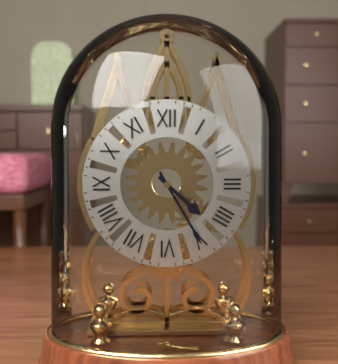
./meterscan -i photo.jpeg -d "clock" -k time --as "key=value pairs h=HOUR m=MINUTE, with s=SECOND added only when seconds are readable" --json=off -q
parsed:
h=4 m=25
